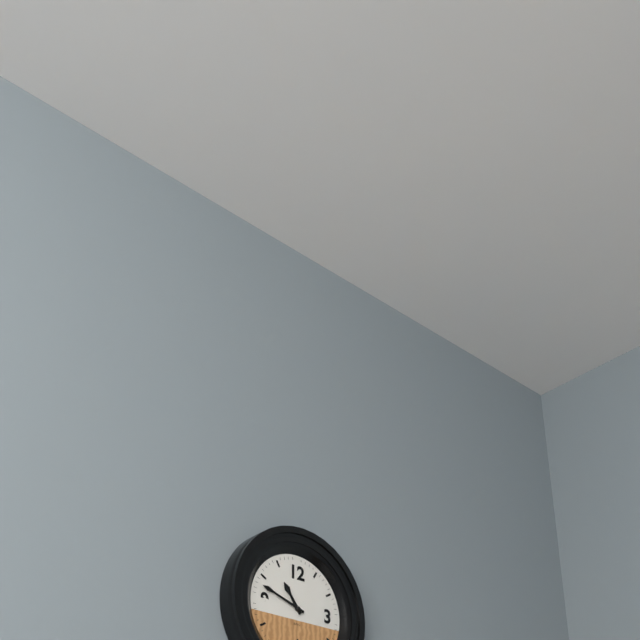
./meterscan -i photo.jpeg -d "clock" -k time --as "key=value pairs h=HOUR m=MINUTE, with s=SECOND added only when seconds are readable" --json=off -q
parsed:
h=10 m=48
